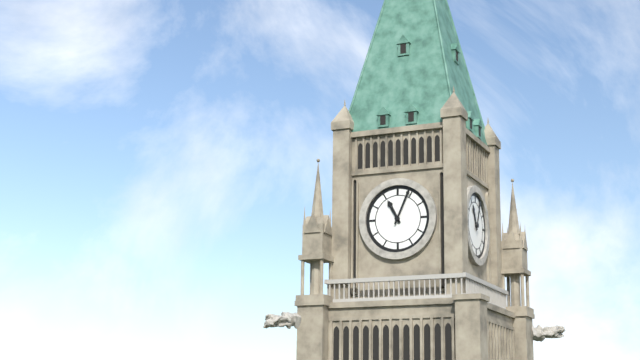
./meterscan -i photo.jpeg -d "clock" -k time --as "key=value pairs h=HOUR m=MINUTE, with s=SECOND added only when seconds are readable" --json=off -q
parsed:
h=11 m=4
